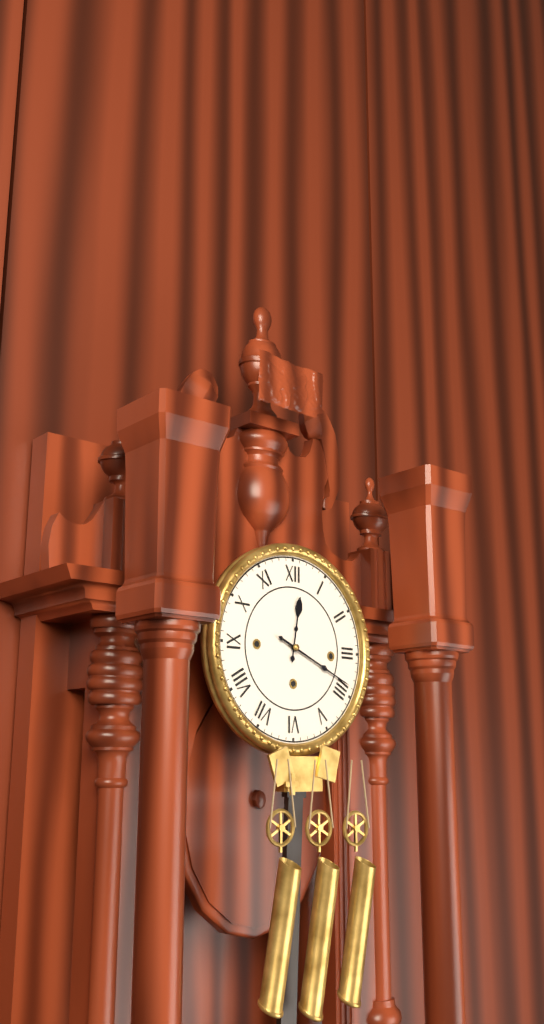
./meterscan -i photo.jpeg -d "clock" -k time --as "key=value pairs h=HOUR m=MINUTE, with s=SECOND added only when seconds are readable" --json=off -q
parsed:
h=12 m=19
